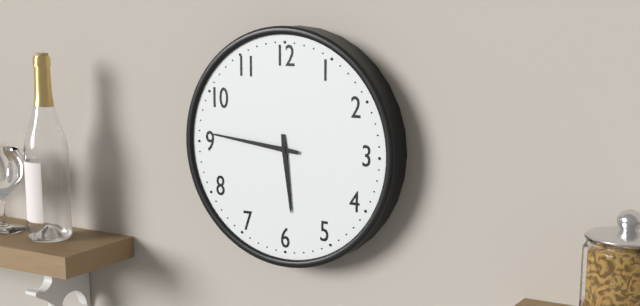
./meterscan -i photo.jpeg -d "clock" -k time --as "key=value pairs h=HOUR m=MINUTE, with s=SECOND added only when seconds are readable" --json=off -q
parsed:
h=5 m=46
